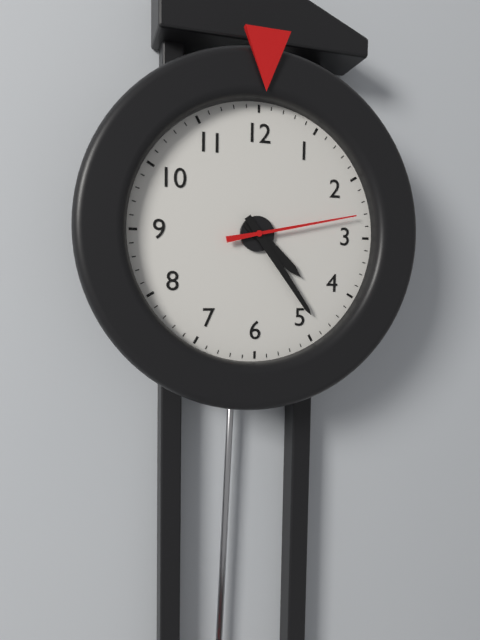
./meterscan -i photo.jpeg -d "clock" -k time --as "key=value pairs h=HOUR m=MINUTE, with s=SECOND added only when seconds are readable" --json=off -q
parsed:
h=4 m=24 s=13
